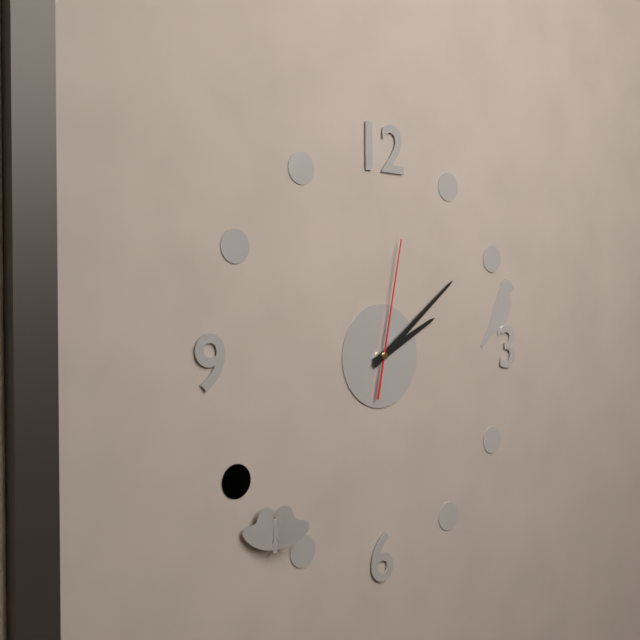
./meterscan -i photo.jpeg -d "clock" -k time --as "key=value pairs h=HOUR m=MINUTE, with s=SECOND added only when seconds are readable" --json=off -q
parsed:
h=2 m=9 s=2
